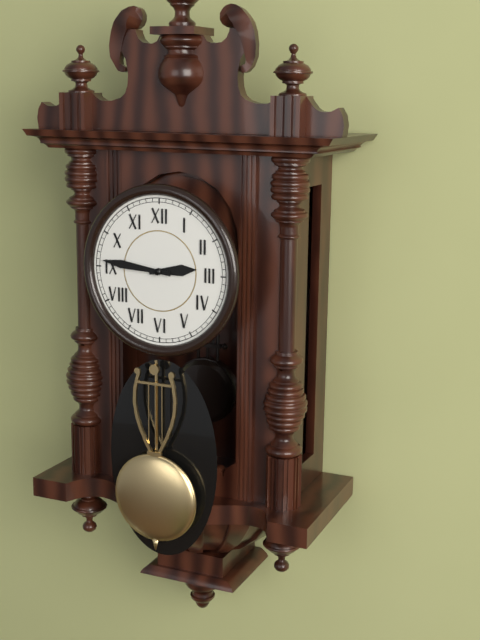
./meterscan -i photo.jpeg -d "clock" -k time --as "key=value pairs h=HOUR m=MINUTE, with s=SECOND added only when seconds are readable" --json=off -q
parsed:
h=2 m=46
